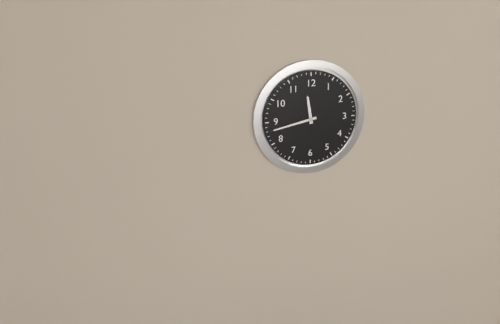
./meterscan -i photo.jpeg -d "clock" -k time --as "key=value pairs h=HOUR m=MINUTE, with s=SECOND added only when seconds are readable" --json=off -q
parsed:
h=11 m=43
